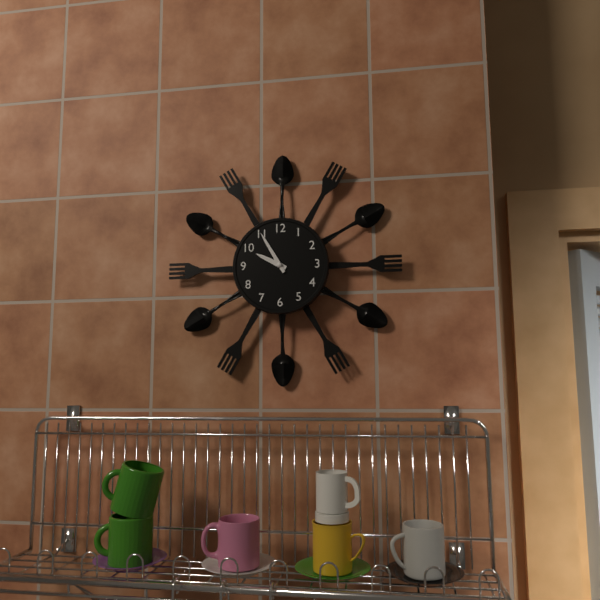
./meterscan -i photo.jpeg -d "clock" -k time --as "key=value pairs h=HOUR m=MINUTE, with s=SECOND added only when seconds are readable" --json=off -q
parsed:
h=9 m=55
